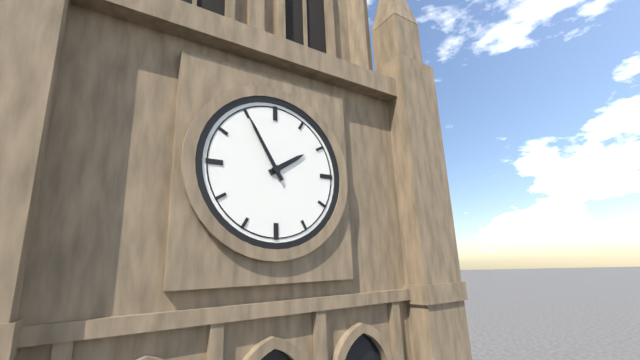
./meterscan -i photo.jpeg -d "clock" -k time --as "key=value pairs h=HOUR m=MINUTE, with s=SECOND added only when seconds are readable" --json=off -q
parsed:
h=1 m=55
